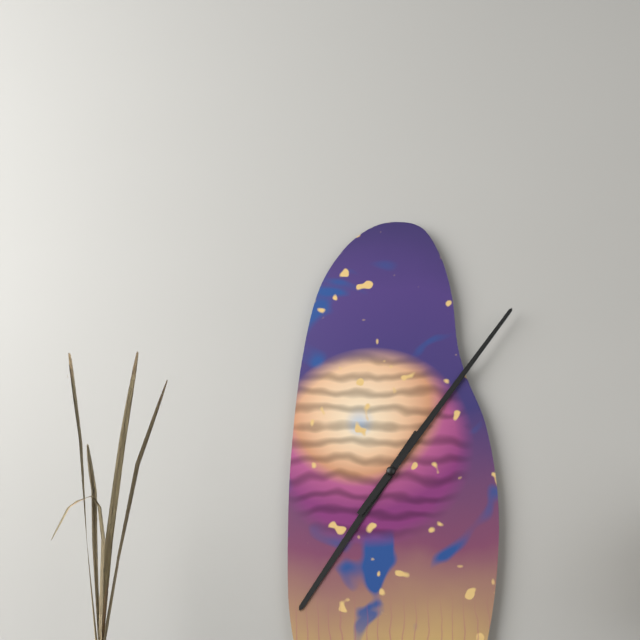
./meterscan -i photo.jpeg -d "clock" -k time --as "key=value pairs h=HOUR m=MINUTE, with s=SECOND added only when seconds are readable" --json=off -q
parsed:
h=7 m=6
